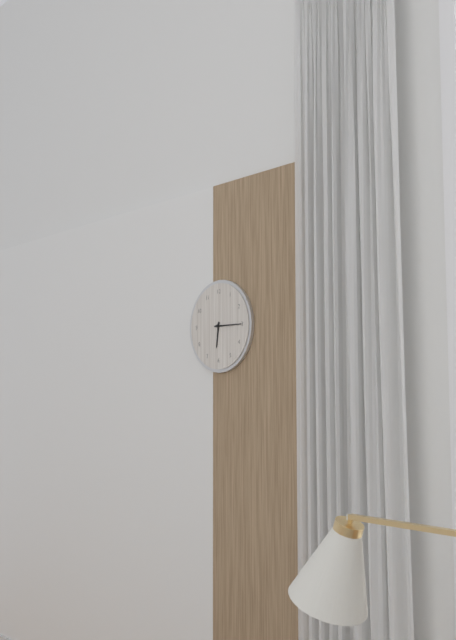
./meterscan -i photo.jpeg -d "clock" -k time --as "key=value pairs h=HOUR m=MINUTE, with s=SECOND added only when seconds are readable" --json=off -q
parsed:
h=6 m=15
